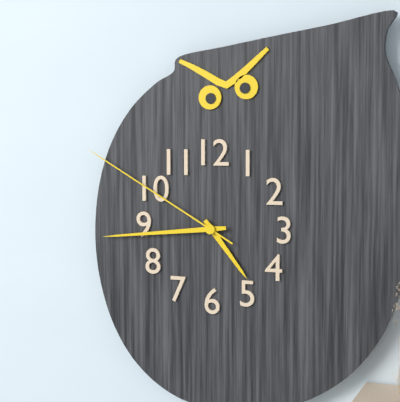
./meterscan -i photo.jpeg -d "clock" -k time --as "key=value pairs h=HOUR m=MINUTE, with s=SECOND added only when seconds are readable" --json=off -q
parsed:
h=4 m=44 s=50
